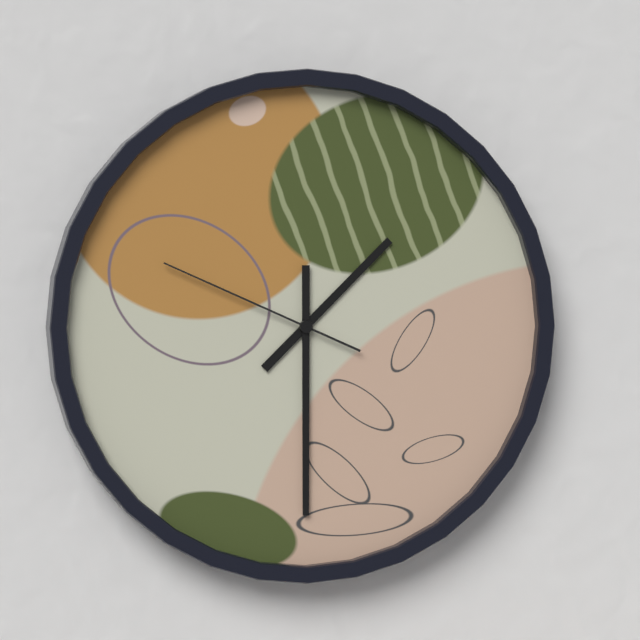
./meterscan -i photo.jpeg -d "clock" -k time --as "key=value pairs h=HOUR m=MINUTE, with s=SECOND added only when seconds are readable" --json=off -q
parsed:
h=1 m=30 s=49
